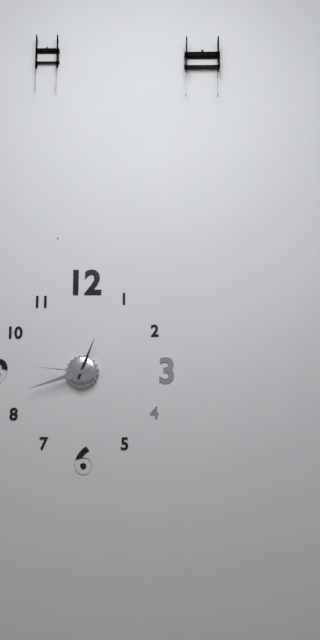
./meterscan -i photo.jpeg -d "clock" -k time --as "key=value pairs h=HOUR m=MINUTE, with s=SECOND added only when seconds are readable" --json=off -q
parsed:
h=12 m=42 s=46
